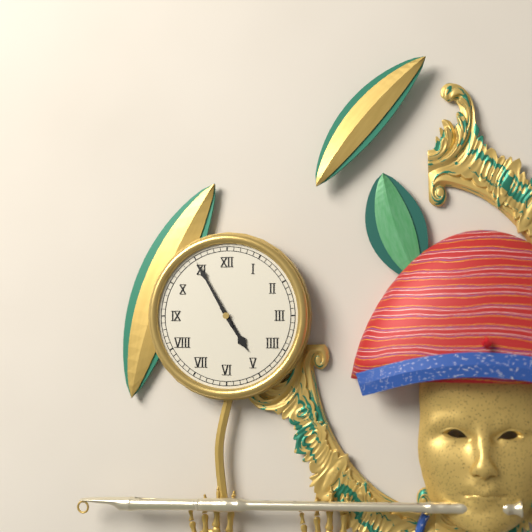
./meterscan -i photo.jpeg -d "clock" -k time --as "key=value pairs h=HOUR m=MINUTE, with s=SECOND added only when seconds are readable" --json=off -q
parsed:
h=4 m=55
